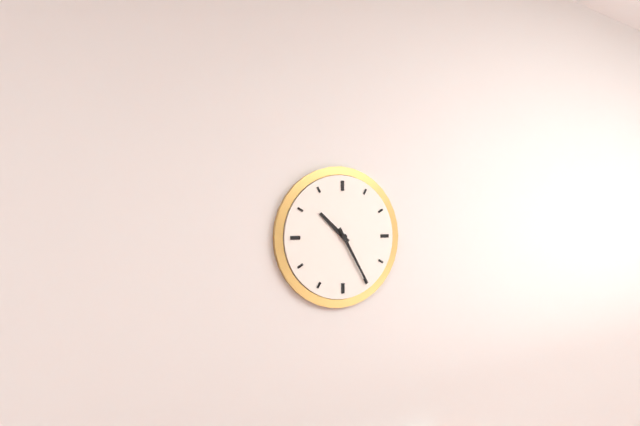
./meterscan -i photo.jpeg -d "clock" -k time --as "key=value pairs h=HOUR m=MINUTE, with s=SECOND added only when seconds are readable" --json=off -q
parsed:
h=10 m=25
